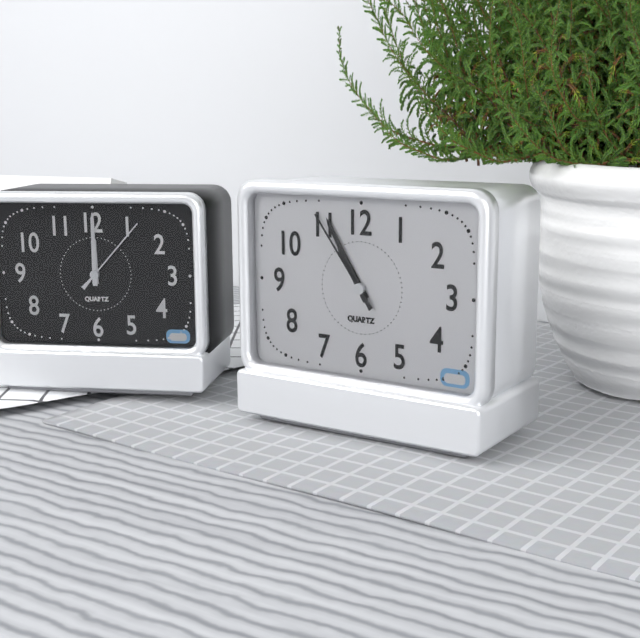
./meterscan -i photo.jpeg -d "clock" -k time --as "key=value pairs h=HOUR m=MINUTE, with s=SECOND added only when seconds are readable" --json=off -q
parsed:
h=10 m=55 s=54
